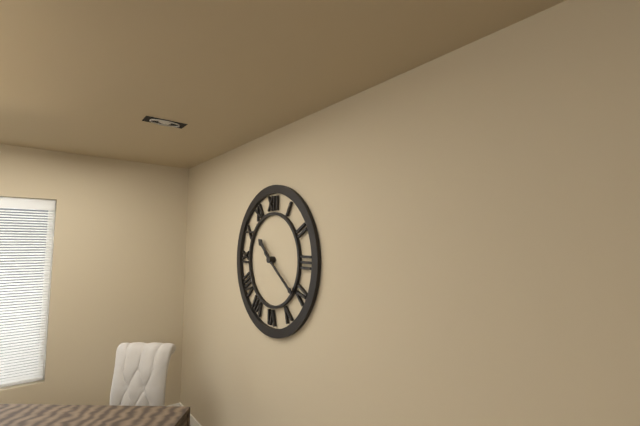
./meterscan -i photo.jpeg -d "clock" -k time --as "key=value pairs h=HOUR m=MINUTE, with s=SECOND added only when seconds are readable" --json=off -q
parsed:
h=10 m=21
